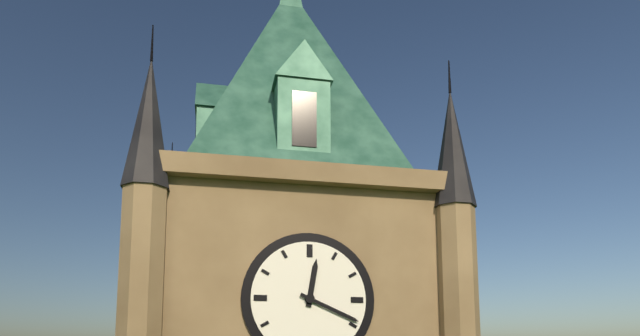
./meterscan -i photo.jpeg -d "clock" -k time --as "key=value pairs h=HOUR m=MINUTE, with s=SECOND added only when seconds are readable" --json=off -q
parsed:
h=12 m=19
